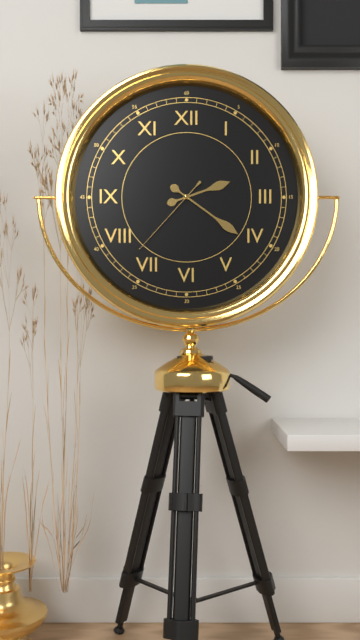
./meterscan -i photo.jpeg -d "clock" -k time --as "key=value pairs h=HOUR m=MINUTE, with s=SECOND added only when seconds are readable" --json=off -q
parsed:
h=2 m=21 s=37
